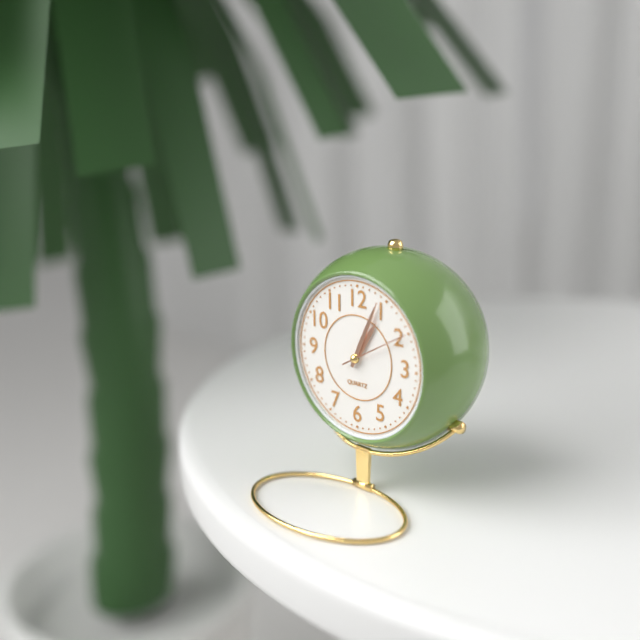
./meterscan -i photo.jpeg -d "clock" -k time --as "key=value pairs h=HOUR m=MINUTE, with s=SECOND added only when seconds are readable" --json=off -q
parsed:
h=1 m=4 s=10
